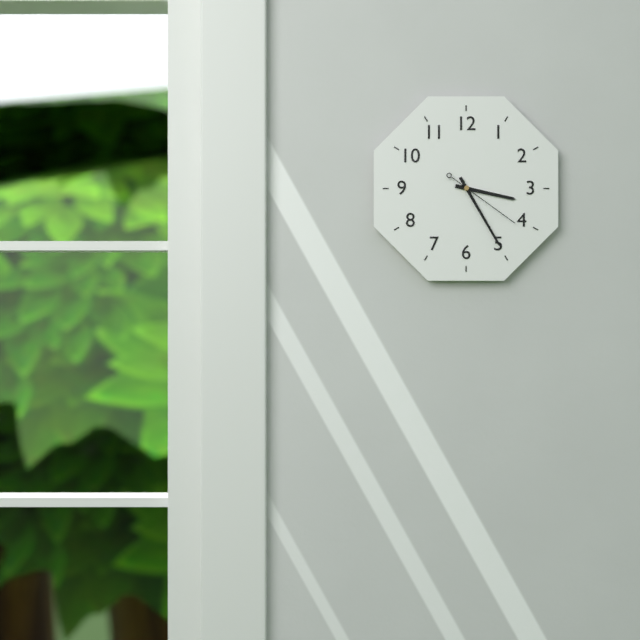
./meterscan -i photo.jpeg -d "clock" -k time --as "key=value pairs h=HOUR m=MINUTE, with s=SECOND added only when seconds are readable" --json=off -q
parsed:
h=3 m=25 s=21
